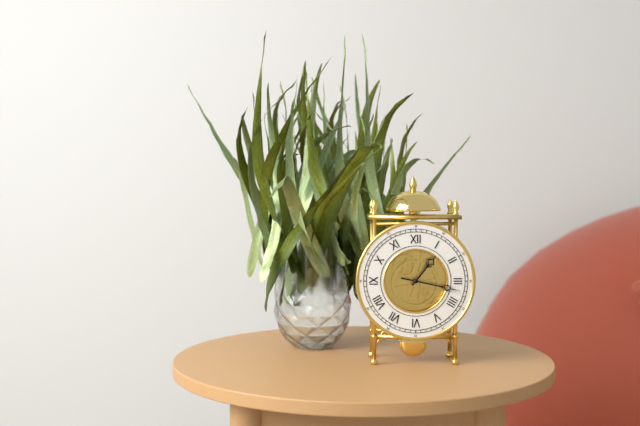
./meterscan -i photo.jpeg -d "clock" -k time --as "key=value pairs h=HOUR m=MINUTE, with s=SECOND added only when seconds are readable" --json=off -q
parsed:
h=1 m=17
